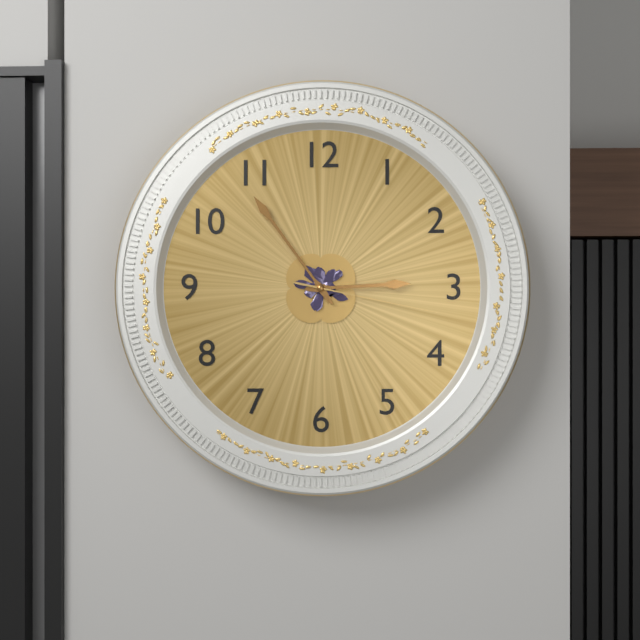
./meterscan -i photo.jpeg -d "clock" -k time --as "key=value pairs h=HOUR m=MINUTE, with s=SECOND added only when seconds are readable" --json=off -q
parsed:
h=2 m=54 s=17
